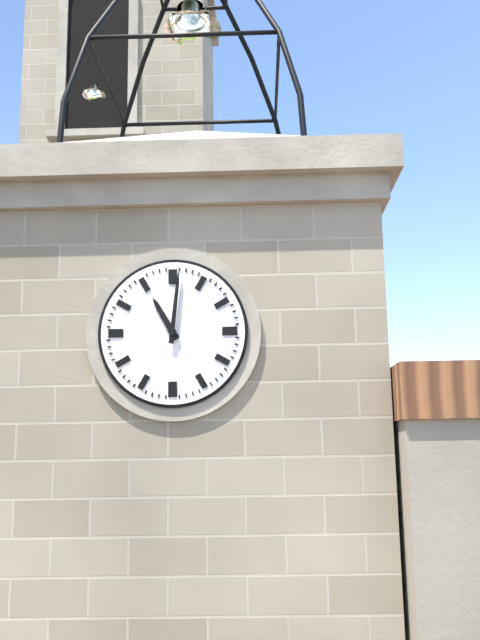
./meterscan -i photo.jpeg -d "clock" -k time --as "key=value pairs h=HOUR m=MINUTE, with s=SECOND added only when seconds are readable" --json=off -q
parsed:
h=11 m=1
